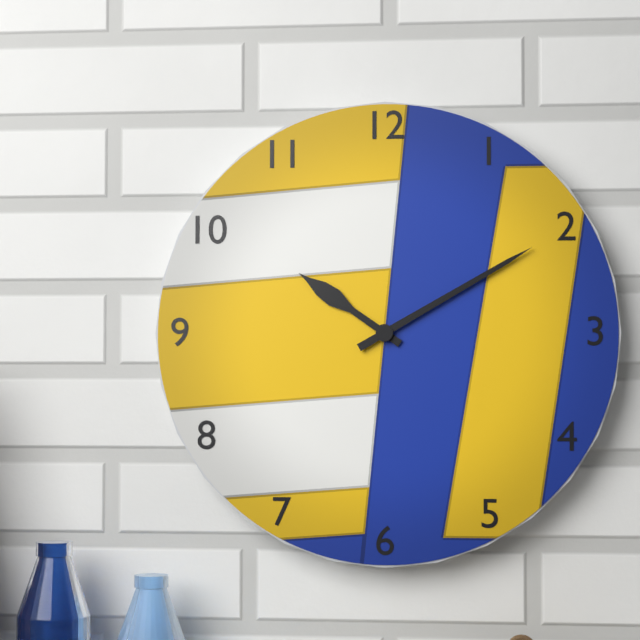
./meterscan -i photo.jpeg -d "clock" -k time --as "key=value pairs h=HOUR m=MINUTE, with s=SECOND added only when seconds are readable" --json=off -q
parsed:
h=10 m=10
